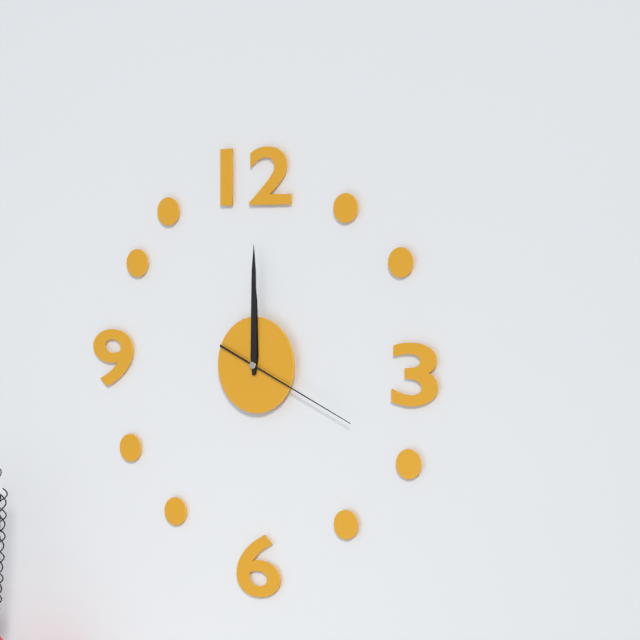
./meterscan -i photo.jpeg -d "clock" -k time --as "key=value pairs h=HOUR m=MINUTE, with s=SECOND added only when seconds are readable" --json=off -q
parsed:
h=12 m=0 s=19
